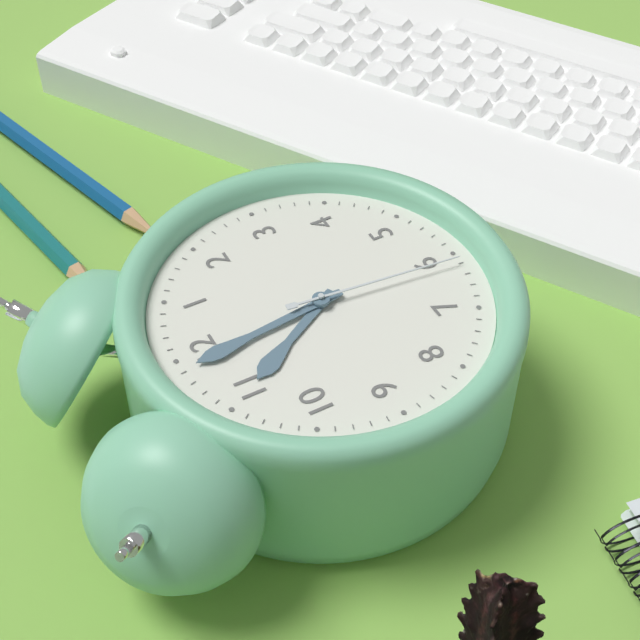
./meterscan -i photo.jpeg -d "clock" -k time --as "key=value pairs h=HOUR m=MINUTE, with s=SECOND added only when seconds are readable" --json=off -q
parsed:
h=10 m=59 s=31
